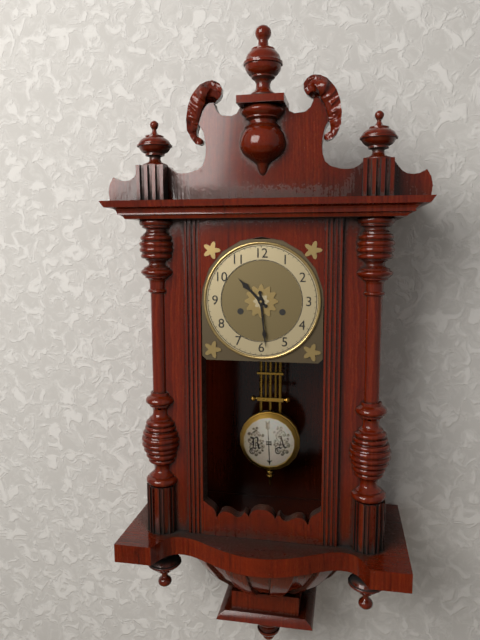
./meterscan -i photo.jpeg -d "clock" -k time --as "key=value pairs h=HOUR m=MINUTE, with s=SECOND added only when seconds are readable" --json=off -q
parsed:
h=10 m=29
